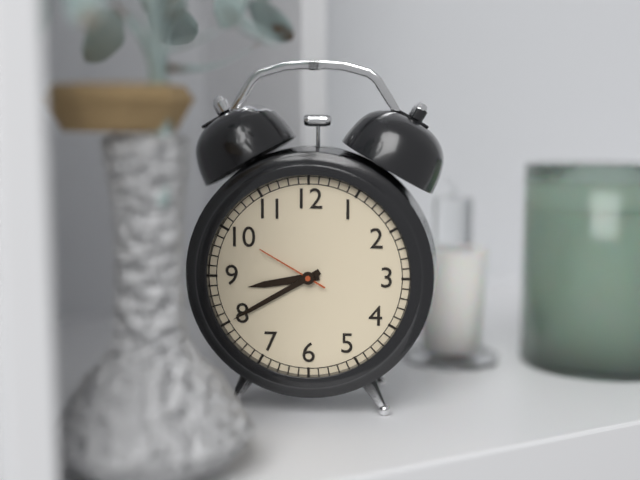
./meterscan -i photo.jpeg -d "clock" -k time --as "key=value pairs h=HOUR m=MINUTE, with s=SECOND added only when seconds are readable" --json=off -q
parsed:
h=8 m=40 s=50
